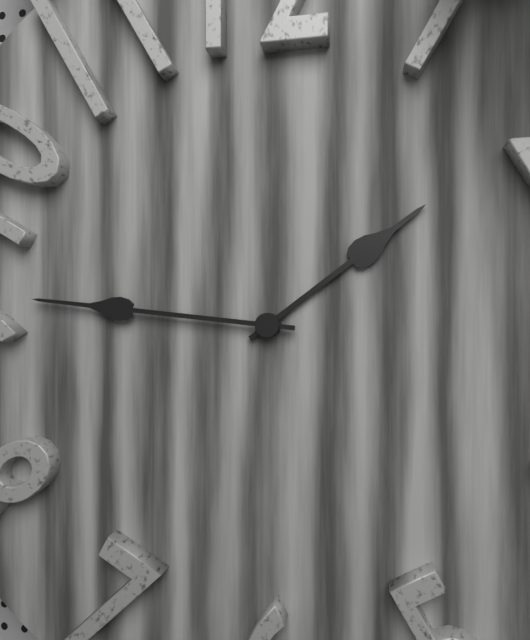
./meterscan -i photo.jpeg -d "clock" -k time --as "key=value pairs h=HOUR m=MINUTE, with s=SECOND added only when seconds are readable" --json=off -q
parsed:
h=1 m=46
